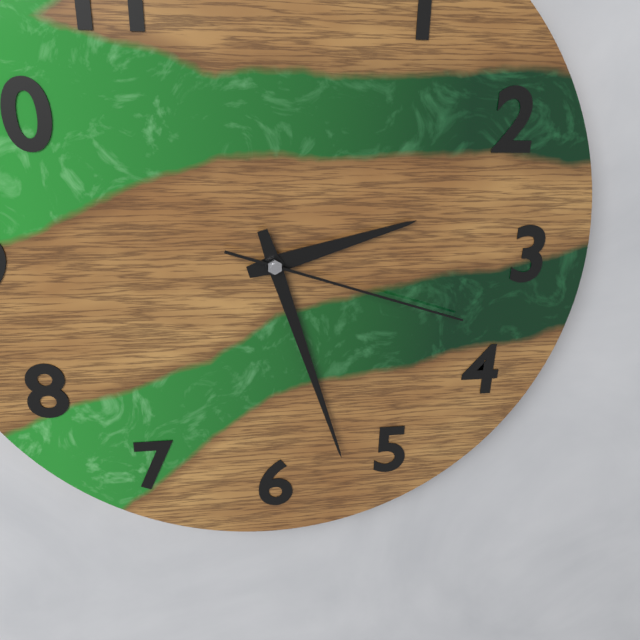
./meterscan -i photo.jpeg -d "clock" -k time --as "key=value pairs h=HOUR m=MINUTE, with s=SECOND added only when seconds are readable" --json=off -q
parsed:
h=2 m=27 s=18
